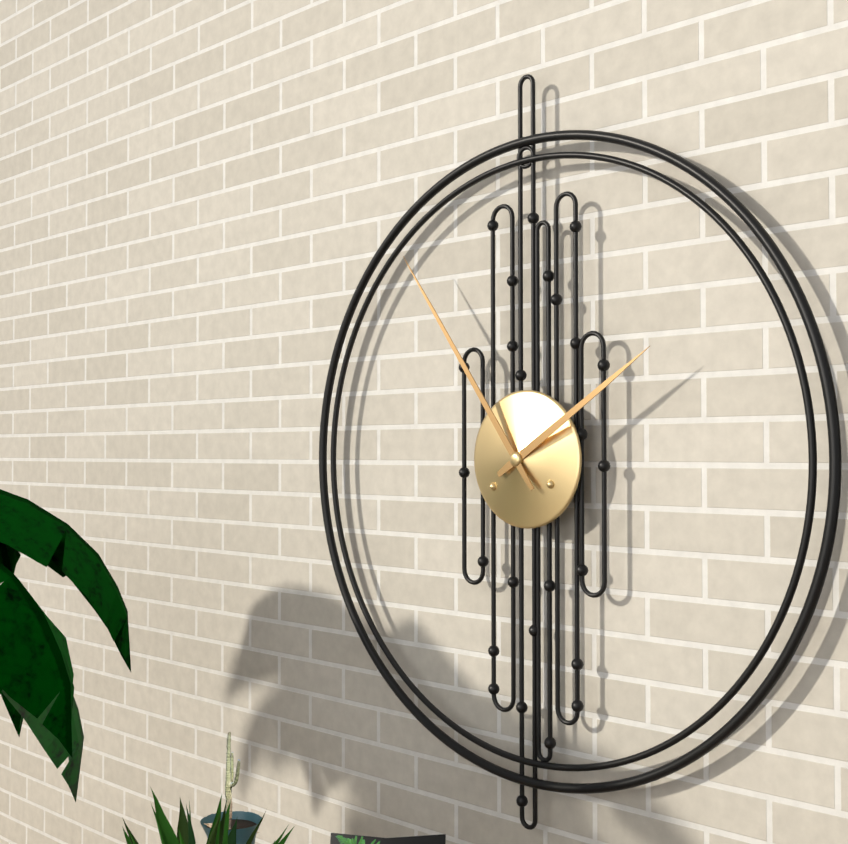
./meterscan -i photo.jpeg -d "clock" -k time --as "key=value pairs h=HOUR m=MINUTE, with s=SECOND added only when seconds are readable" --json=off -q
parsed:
h=1 m=54
